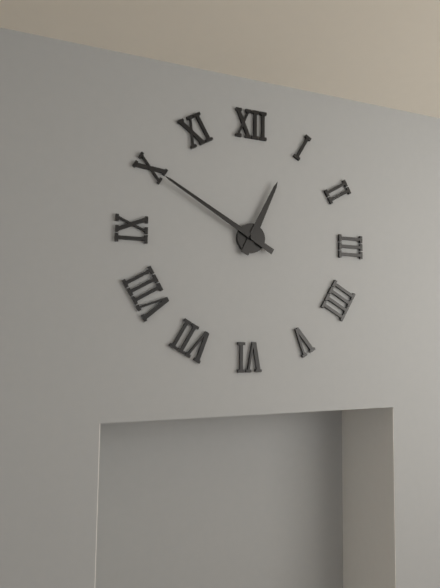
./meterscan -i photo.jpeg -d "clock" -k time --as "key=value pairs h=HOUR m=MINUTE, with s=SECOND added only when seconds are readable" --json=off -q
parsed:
h=12 m=50
